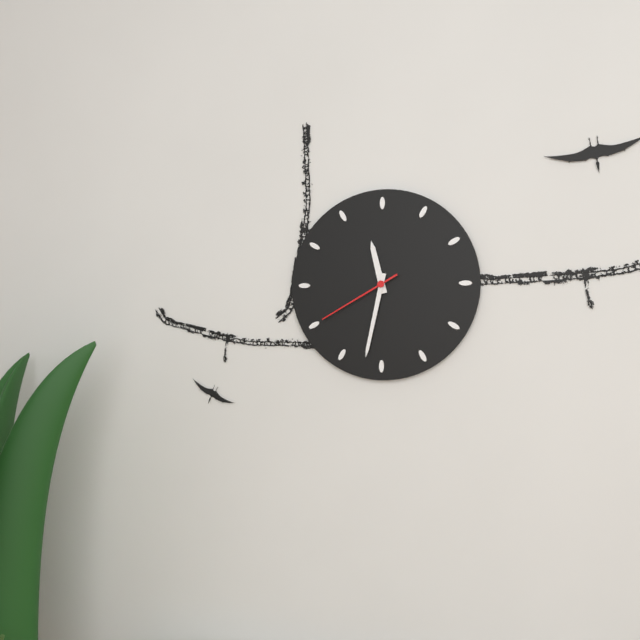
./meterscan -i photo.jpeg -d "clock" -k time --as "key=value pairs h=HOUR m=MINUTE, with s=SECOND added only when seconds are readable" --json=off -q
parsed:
h=11 m=32 s=40
